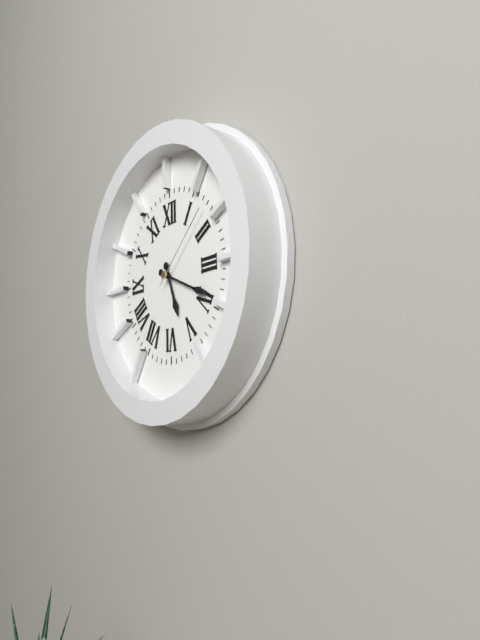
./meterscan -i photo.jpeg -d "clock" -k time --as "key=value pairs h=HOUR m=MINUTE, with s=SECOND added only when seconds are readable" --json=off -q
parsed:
h=5 m=19 s=8
